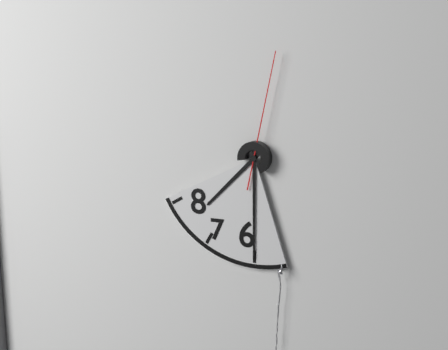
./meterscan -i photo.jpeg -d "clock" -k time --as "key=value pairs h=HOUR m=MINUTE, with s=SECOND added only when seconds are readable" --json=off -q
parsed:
h=7 m=30 s=2
